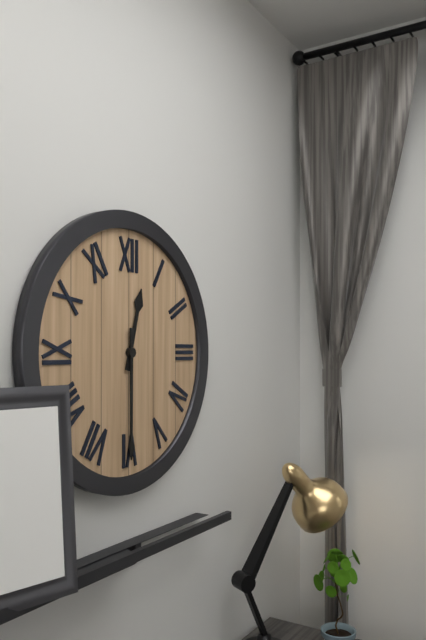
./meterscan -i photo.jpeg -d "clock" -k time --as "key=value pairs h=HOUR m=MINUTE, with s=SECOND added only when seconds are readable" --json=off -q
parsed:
h=12 m=30
